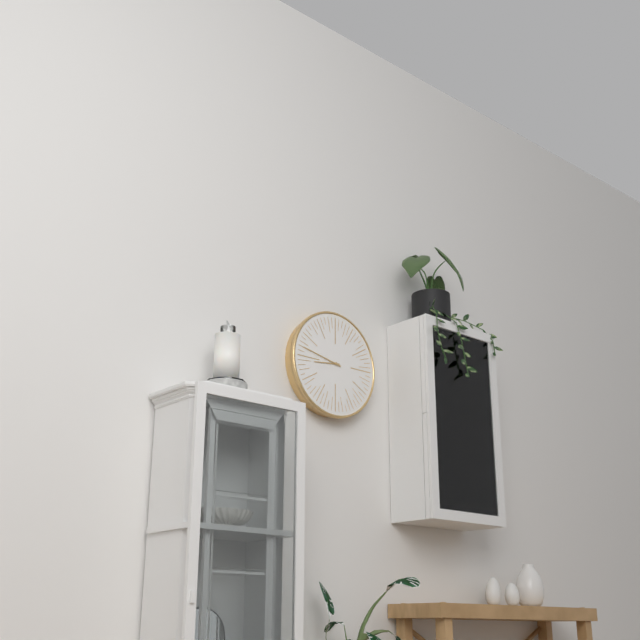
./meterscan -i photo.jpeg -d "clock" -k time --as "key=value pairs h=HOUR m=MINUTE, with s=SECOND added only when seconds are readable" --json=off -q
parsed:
h=8 m=47
